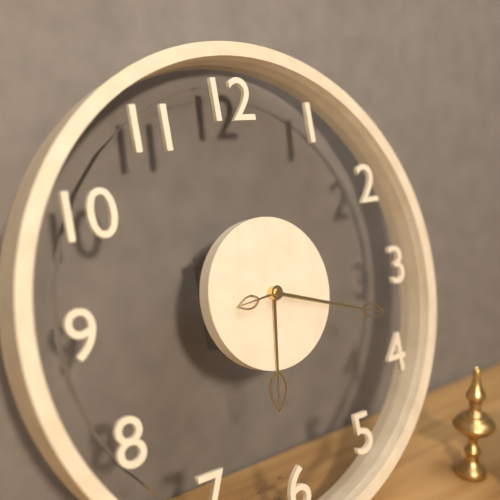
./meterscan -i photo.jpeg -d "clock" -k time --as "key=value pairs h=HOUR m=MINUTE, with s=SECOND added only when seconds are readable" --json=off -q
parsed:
h=6 m=18 s=44
